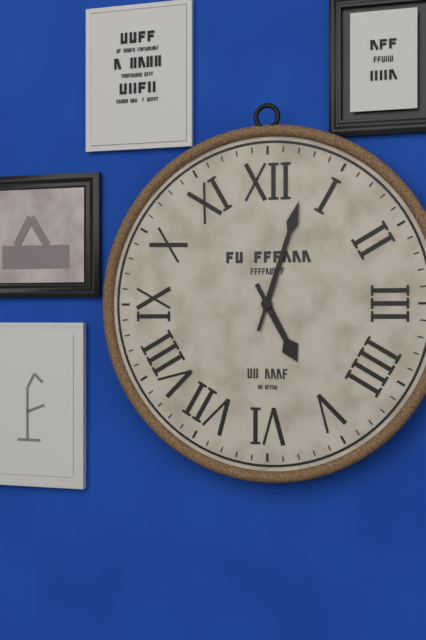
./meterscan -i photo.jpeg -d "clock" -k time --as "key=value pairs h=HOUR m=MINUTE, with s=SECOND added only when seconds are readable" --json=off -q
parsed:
h=5 m=3
